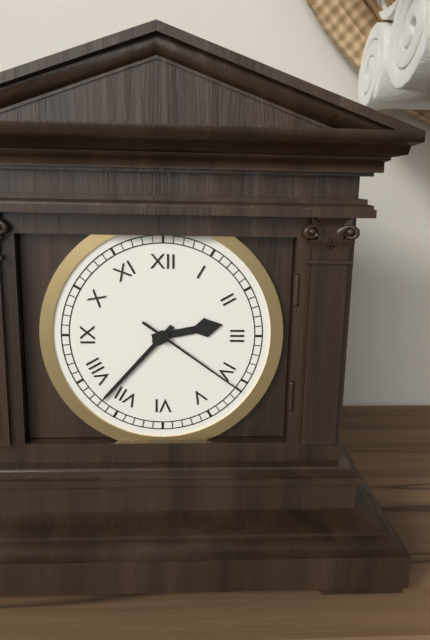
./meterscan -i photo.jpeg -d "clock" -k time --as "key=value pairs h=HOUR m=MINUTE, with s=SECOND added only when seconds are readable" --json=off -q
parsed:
h=2 m=37 s=21
